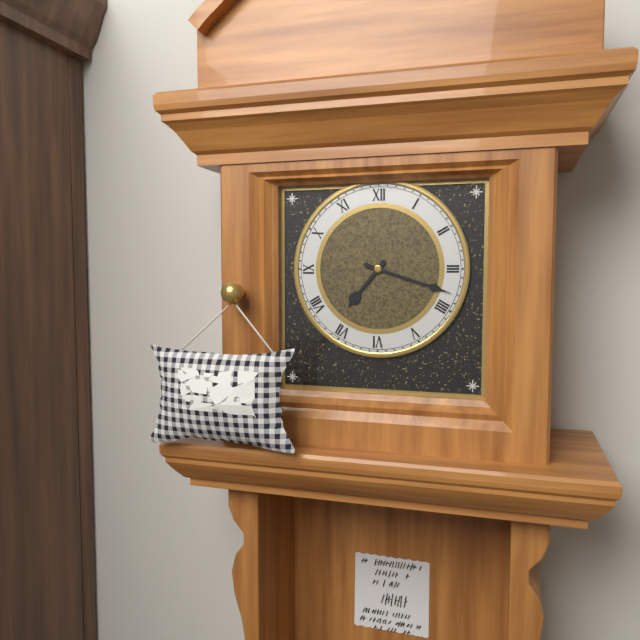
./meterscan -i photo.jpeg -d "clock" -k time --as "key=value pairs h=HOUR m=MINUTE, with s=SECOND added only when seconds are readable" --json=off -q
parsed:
h=7 m=18
